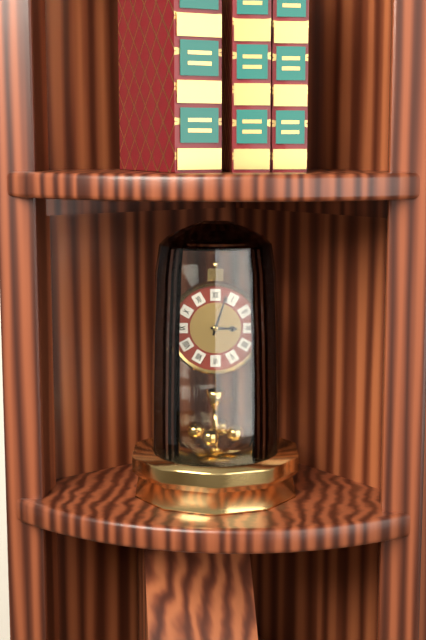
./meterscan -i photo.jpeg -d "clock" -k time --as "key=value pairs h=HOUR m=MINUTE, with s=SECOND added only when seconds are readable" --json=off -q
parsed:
h=3 m=3
